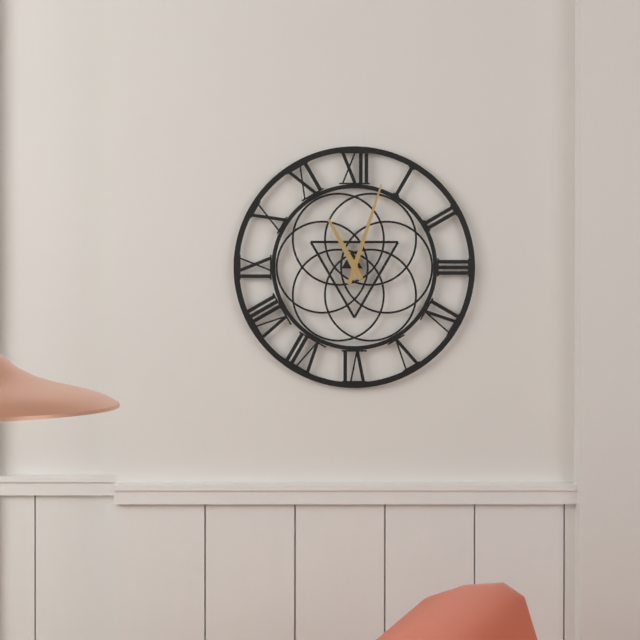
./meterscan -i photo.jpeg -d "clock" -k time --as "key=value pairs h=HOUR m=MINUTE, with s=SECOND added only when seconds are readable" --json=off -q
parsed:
h=11 m=3
